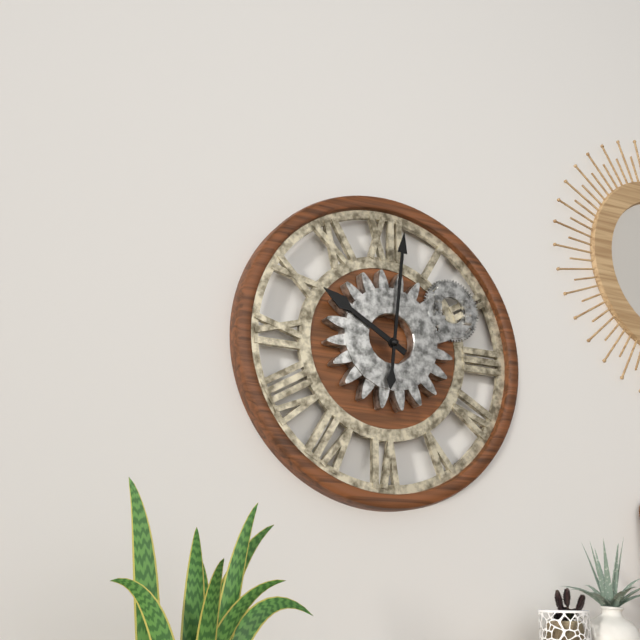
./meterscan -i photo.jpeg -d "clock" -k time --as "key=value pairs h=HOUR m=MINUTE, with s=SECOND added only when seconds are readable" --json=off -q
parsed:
h=10 m=1
